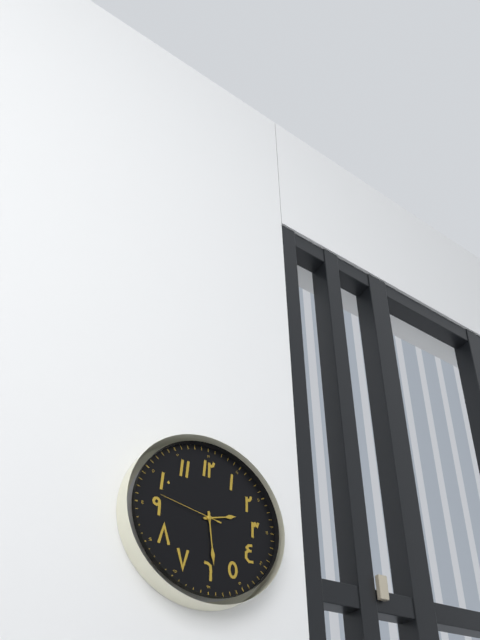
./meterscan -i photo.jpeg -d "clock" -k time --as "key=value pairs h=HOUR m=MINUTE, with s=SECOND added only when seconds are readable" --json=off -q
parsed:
h=2 m=29 s=47
